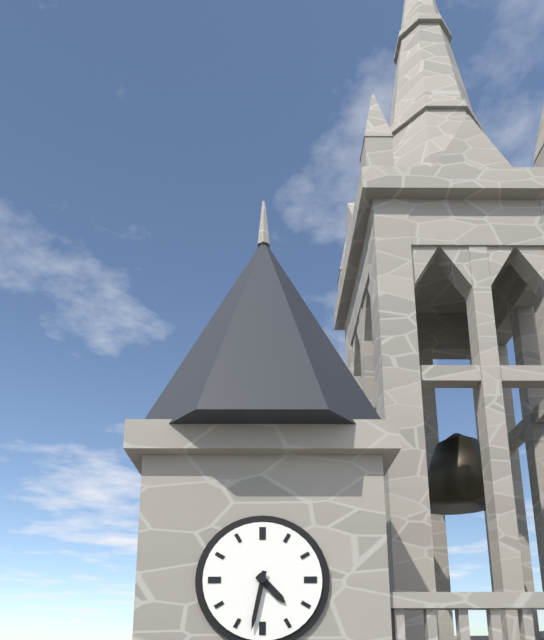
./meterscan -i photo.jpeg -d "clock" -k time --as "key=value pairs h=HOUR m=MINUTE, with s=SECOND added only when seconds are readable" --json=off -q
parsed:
h=4 m=32
